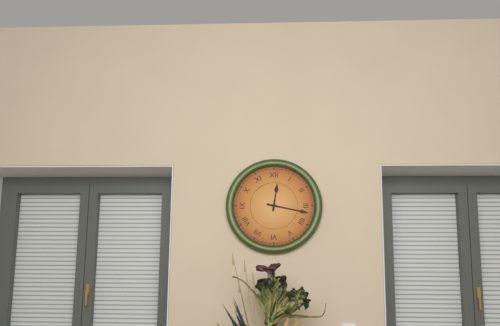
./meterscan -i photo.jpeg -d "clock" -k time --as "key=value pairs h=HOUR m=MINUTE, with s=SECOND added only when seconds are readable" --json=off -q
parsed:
h=12 m=17
